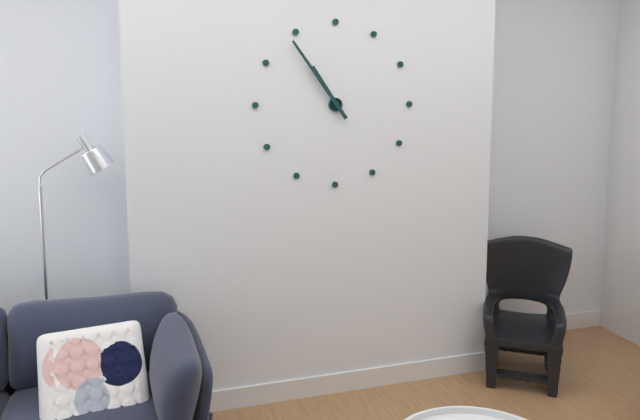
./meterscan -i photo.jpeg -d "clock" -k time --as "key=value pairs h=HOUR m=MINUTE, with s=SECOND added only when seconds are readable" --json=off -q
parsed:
h=10 m=54
